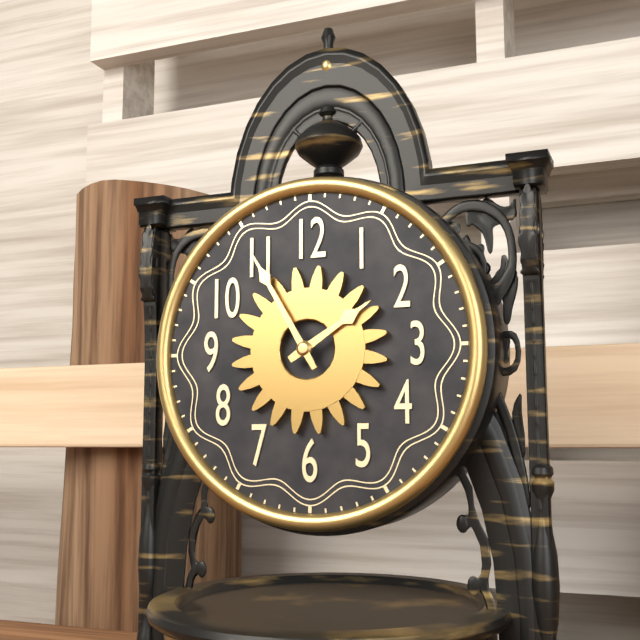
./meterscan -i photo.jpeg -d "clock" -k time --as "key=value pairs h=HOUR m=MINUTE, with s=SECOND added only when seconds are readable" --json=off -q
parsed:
h=1 m=55
